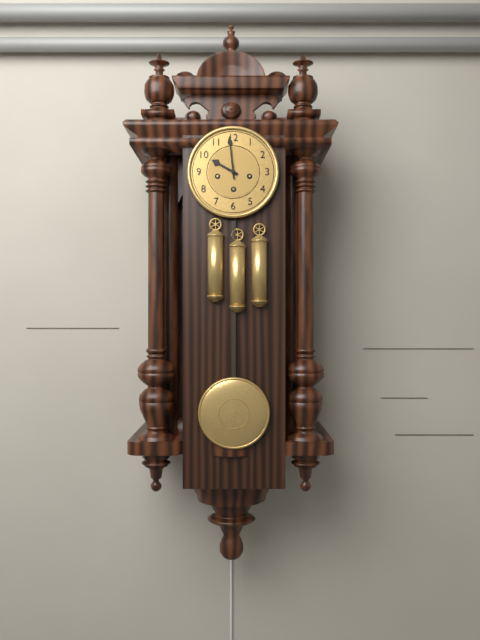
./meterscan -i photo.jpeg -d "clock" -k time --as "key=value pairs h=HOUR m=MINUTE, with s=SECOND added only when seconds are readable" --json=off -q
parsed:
h=9 m=59
